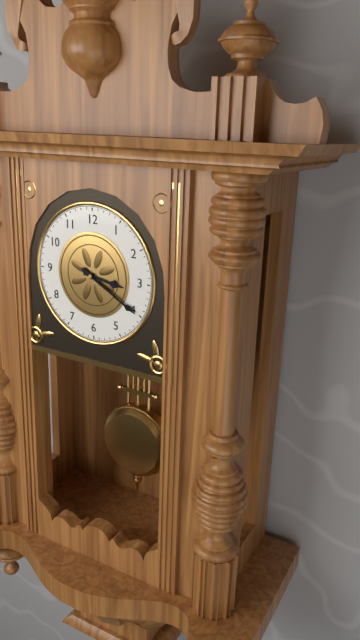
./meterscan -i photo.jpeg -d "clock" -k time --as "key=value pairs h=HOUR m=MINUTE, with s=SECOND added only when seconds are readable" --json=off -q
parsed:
h=3 m=20
